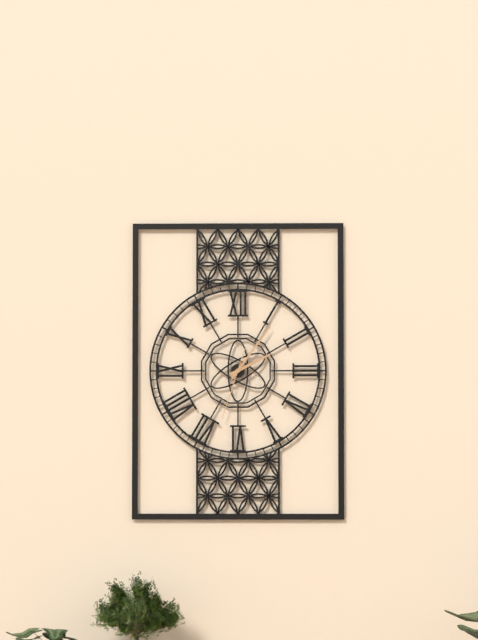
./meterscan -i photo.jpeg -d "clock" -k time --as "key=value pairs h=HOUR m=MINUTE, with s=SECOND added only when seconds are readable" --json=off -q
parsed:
h=2 m=6 s=33
